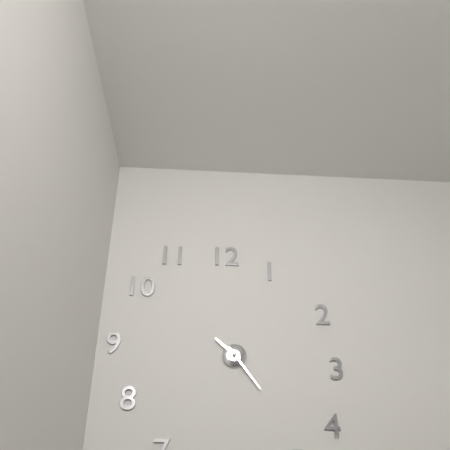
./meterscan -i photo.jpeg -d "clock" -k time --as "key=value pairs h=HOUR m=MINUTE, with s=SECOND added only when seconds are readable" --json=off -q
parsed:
h=10 m=24
